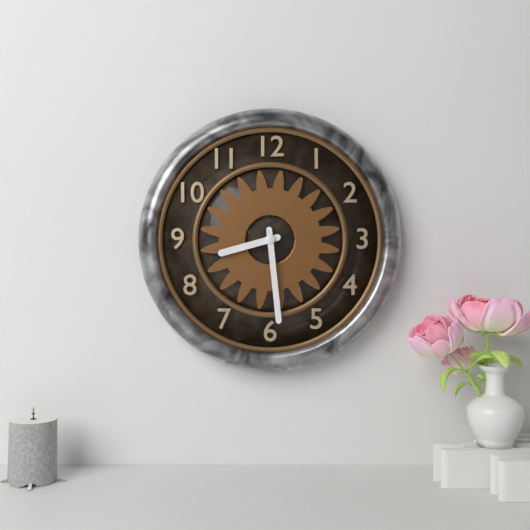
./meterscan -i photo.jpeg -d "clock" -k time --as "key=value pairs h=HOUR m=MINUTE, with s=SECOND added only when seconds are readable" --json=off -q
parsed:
h=8 m=29
